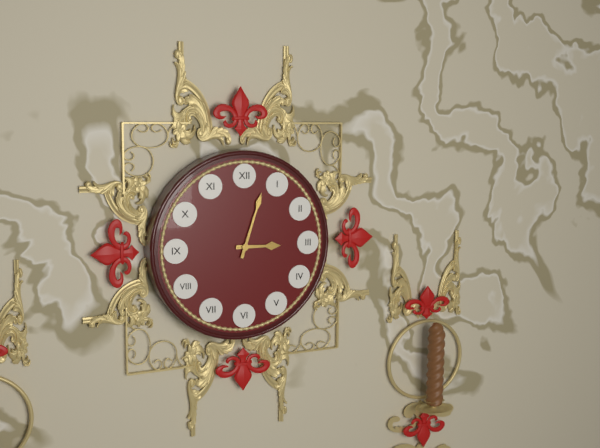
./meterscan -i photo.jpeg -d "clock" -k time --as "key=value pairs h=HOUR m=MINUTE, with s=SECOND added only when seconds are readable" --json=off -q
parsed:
h=3 m=3
